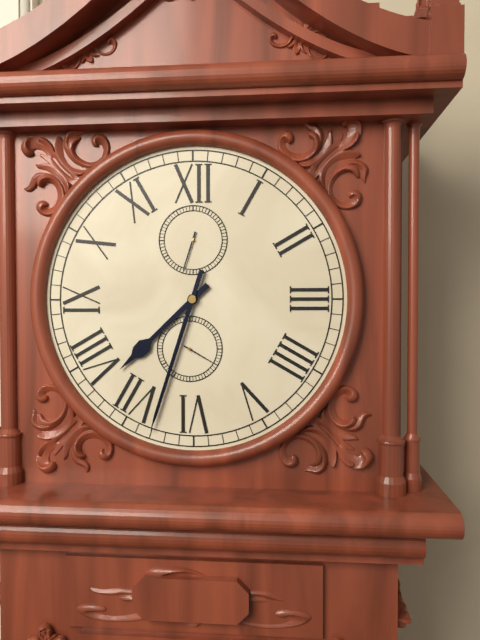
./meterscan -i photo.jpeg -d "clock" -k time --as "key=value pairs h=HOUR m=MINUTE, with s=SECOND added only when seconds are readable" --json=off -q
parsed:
h=7 m=33
